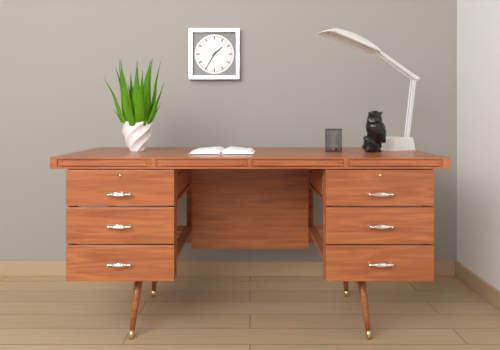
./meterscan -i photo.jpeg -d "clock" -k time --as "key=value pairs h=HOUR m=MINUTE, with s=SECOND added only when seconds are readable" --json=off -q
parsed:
h=1 m=35
